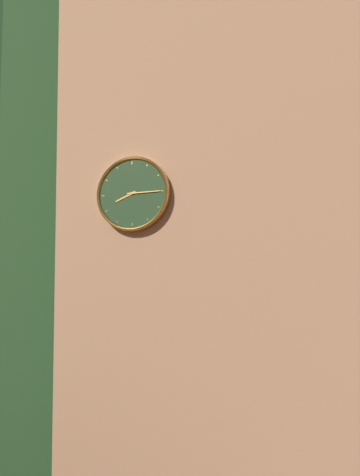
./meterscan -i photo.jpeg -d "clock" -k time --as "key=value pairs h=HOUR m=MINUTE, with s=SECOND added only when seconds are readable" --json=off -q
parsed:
h=8 m=15
